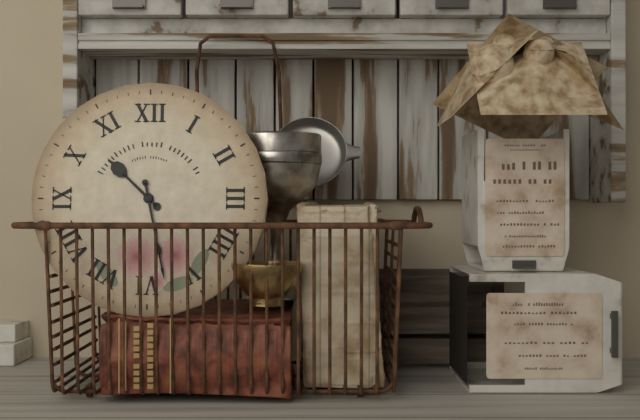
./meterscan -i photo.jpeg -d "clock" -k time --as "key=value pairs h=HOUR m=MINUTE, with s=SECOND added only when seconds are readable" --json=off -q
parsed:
h=10 m=28
